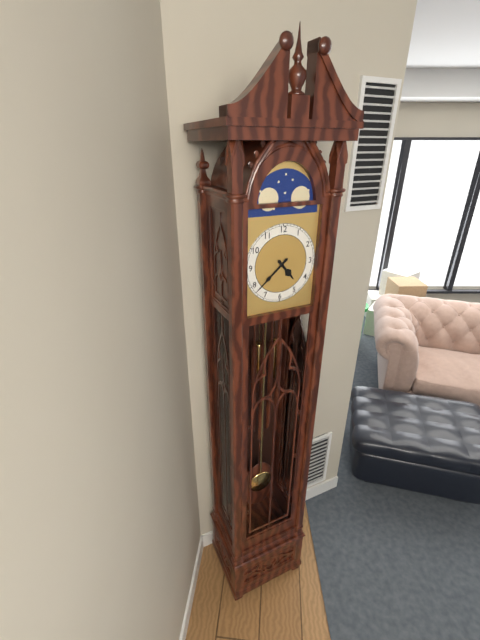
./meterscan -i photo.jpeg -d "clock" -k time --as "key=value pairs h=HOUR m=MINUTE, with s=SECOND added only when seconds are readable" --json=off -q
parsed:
h=4 m=38
